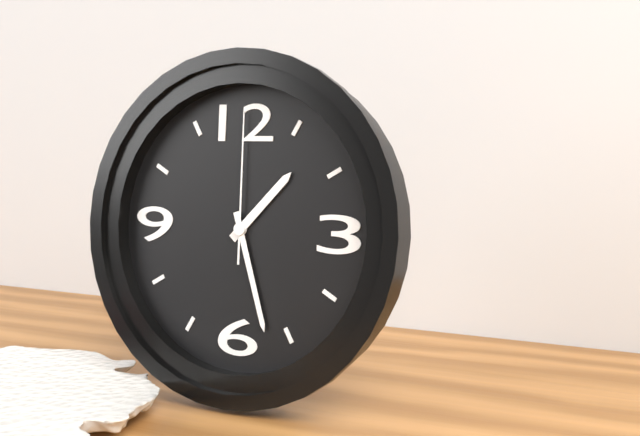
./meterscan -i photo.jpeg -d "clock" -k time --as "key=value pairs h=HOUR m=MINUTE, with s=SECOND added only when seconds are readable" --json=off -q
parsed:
h=1 m=27 s=0
